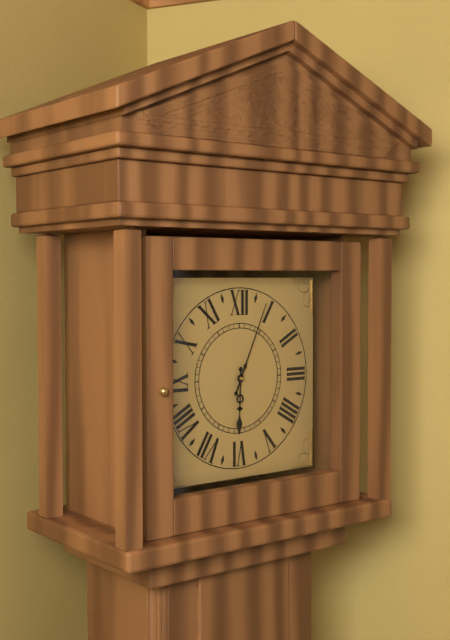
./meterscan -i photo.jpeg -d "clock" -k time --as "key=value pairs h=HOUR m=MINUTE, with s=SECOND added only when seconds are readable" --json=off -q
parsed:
h=6 m=4
